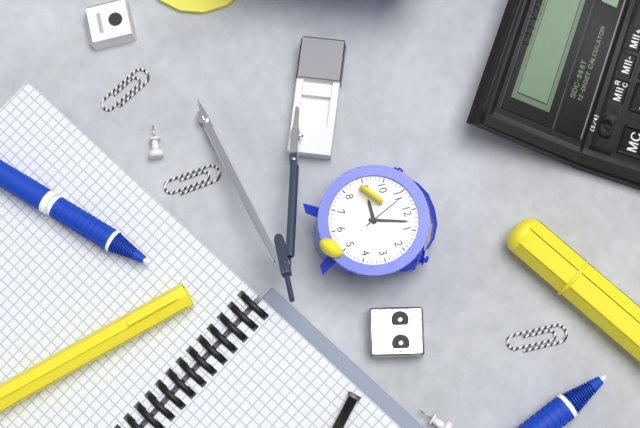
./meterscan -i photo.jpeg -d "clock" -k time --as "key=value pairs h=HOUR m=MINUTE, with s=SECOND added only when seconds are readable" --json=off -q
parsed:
h=9 m=3
